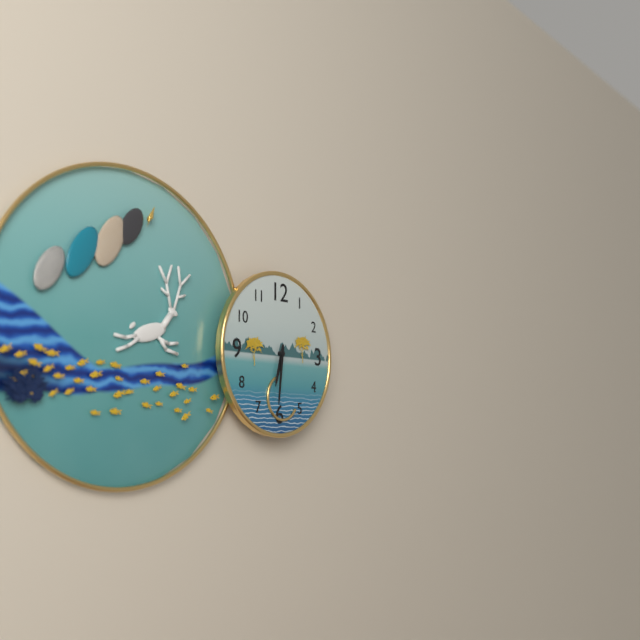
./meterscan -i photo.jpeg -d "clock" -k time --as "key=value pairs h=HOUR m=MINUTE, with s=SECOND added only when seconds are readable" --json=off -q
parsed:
h=6 m=31
